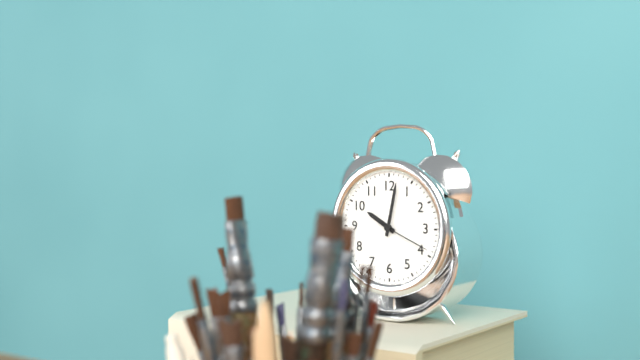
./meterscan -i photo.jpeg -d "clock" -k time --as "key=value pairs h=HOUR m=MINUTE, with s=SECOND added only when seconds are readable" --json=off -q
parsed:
h=10 m=2 s=19
